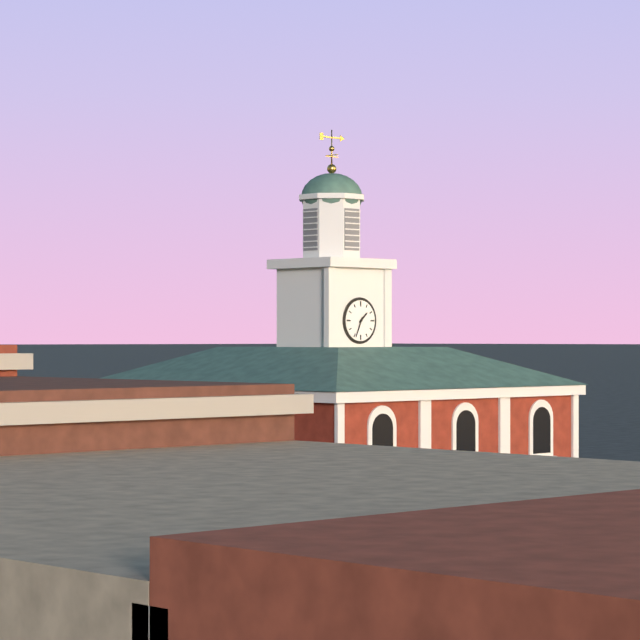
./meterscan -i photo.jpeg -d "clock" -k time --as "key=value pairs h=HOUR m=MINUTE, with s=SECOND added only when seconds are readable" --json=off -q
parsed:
h=1 m=34
